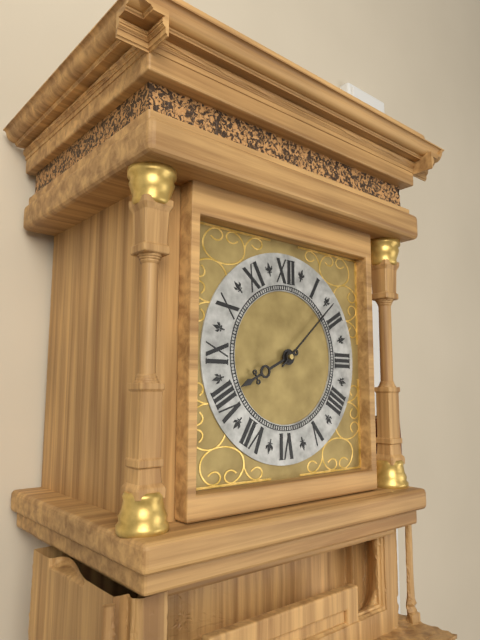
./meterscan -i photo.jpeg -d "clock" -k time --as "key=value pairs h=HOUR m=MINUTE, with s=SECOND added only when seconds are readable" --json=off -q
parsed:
h=8 m=8
